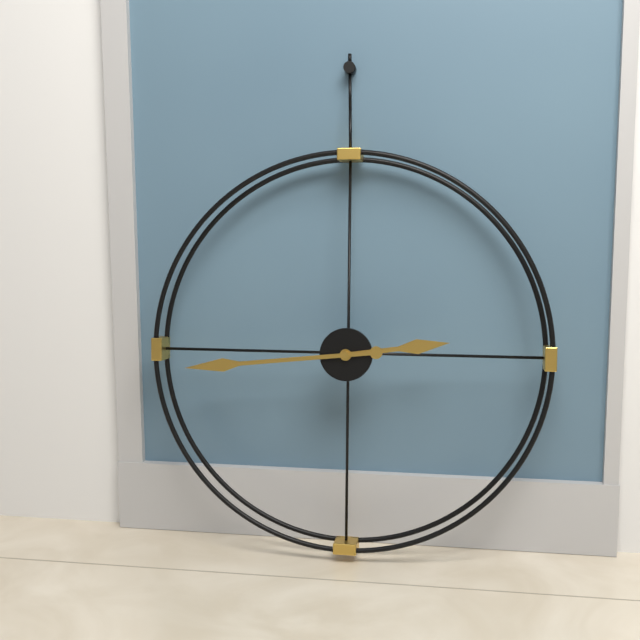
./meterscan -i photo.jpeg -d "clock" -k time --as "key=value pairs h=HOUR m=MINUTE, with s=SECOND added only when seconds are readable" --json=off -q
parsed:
h=2 m=44
